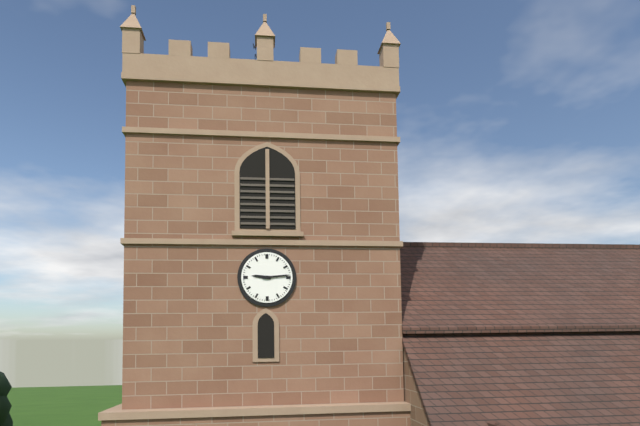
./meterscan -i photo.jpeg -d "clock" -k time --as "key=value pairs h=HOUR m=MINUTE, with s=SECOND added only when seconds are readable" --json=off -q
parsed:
h=9 m=14
